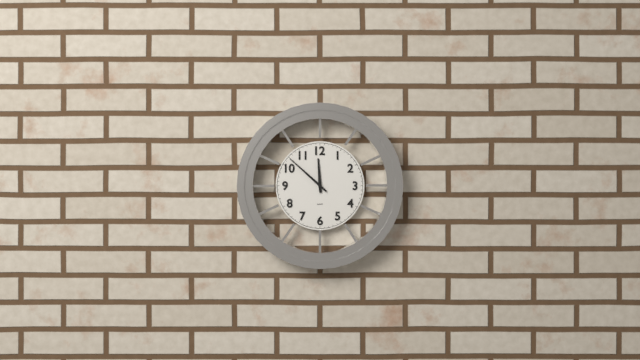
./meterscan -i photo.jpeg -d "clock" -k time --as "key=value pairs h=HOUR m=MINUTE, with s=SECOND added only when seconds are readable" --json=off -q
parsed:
h=11 m=52
